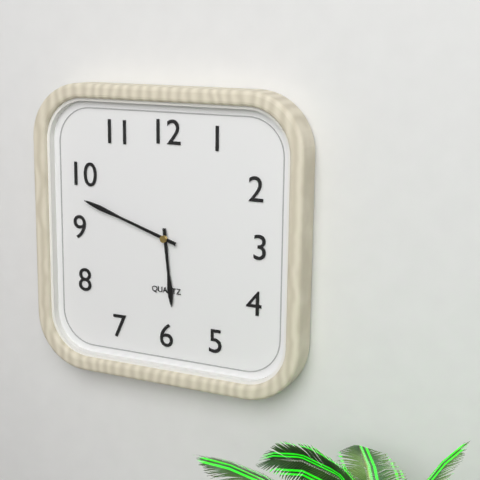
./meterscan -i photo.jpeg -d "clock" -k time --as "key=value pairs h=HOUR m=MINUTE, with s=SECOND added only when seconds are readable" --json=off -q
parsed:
h=5 m=48
